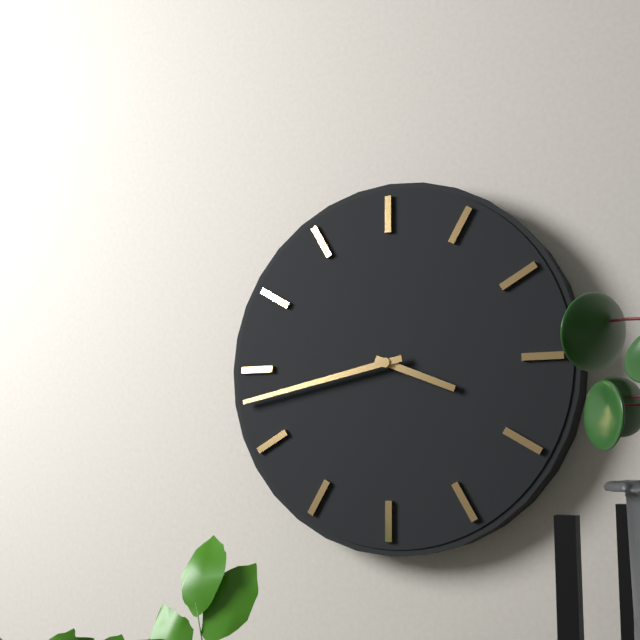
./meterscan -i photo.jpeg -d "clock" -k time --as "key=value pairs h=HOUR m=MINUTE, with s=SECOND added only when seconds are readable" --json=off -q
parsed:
h=3 m=43
